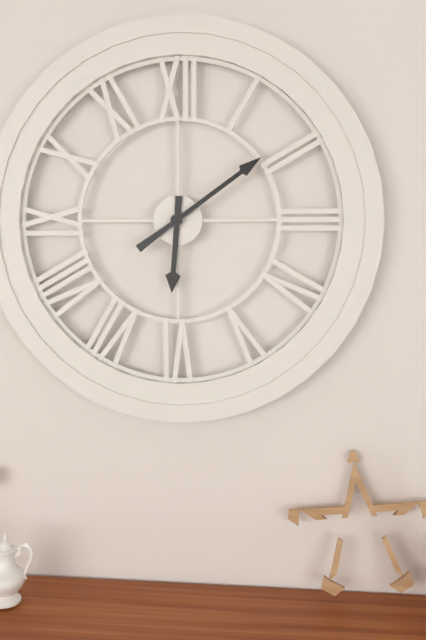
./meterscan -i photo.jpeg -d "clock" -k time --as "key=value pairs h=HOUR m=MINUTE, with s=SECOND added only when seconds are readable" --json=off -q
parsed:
h=6 m=9
